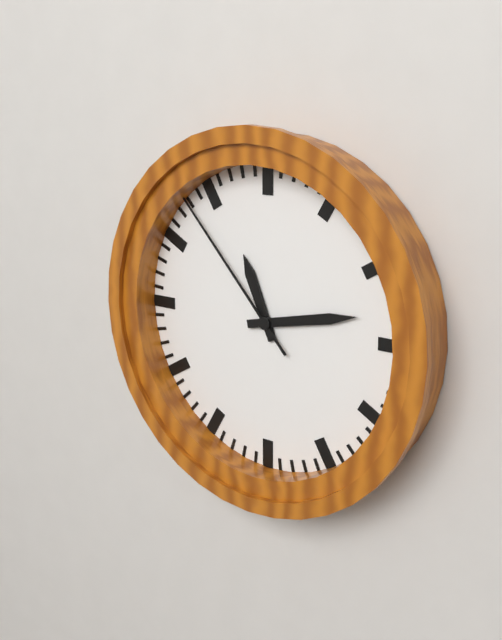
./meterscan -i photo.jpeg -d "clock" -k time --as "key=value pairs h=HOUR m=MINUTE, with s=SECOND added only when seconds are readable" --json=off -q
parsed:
h=11 m=13 s=53
